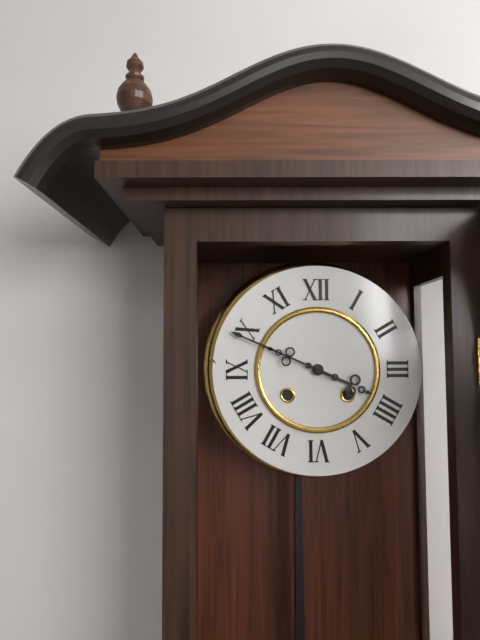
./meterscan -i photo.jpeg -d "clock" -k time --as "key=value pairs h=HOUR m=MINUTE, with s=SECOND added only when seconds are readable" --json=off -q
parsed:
h=3 m=49
